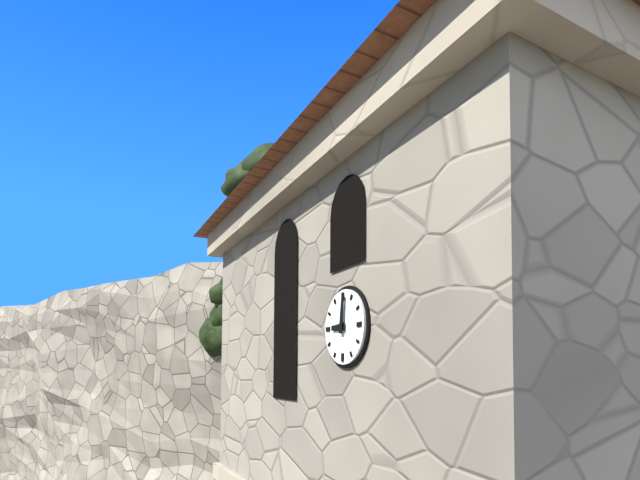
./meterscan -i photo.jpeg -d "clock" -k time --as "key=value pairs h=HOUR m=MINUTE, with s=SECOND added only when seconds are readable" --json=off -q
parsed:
h=9 m=1
